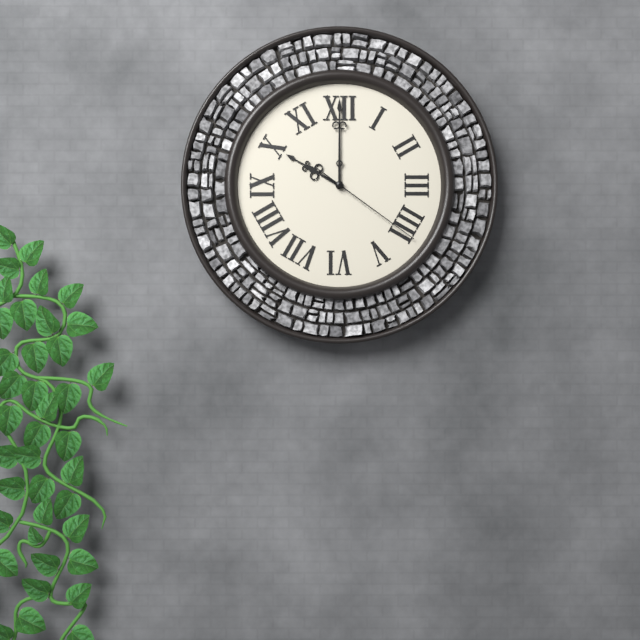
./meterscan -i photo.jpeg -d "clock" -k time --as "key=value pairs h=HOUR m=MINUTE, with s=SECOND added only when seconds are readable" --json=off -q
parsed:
h=10 m=0 s=21
